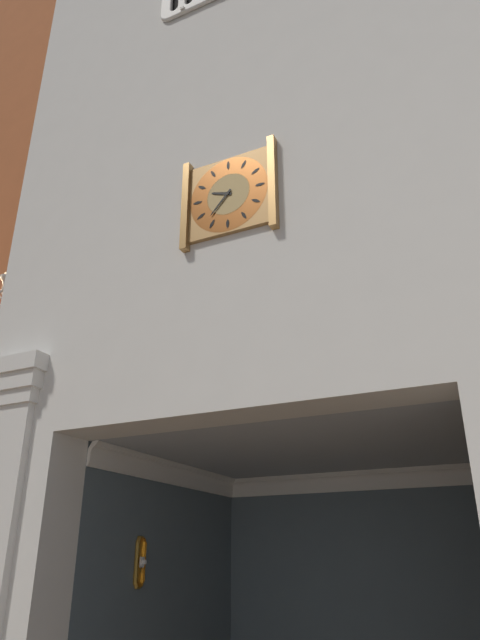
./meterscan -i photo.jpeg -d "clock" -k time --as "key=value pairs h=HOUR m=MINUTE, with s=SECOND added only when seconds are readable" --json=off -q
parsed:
h=9 m=37
